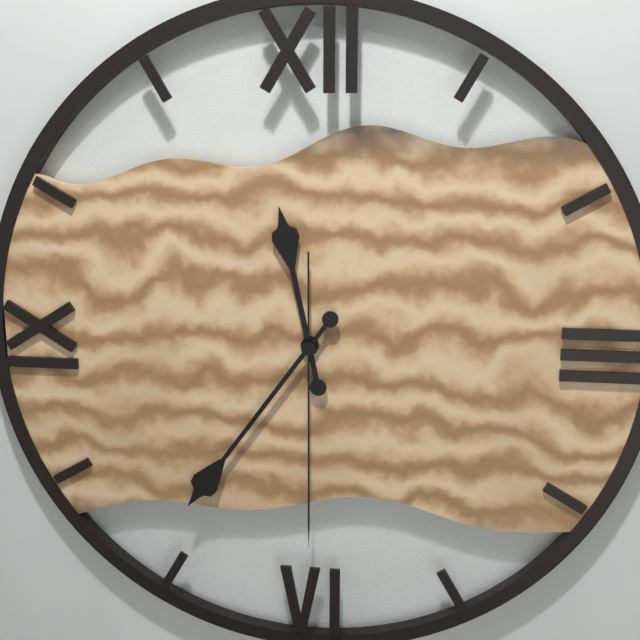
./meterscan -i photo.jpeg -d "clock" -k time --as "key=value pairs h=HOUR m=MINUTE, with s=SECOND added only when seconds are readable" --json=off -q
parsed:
h=11 m=36 s=30
